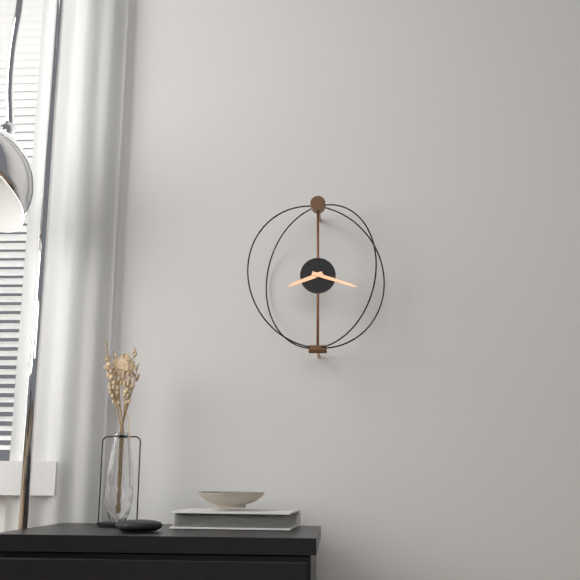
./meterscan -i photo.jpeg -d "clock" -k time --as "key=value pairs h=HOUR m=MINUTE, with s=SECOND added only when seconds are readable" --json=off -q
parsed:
h=8 m=18
